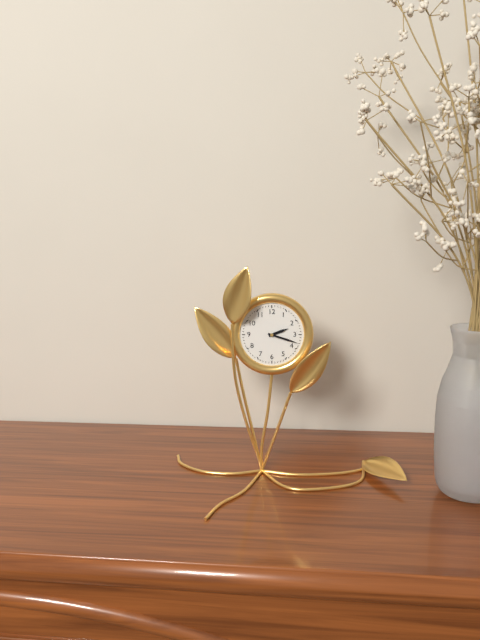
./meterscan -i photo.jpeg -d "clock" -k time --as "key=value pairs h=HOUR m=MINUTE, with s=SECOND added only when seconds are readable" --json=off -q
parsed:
h=2 m=18
